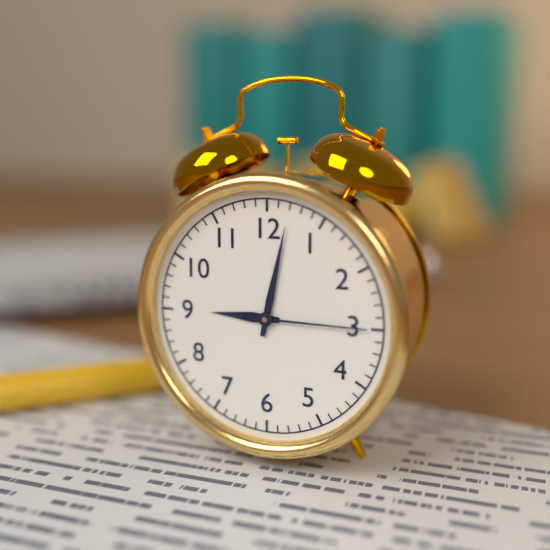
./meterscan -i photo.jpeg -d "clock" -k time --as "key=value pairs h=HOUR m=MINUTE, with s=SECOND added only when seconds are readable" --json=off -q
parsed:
h=9 m=2 s=15
